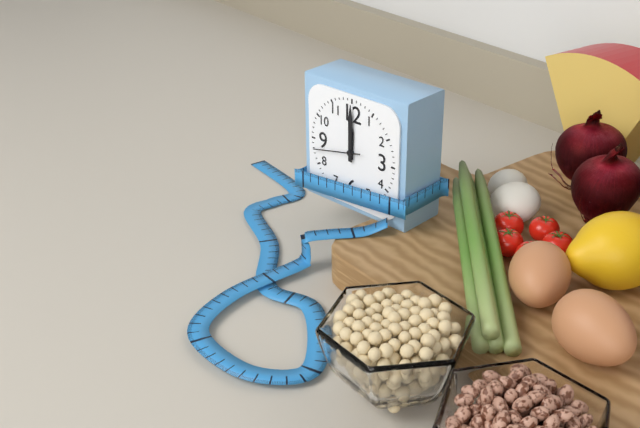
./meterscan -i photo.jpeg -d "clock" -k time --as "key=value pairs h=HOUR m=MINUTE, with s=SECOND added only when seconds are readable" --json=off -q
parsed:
h=12 m=0
